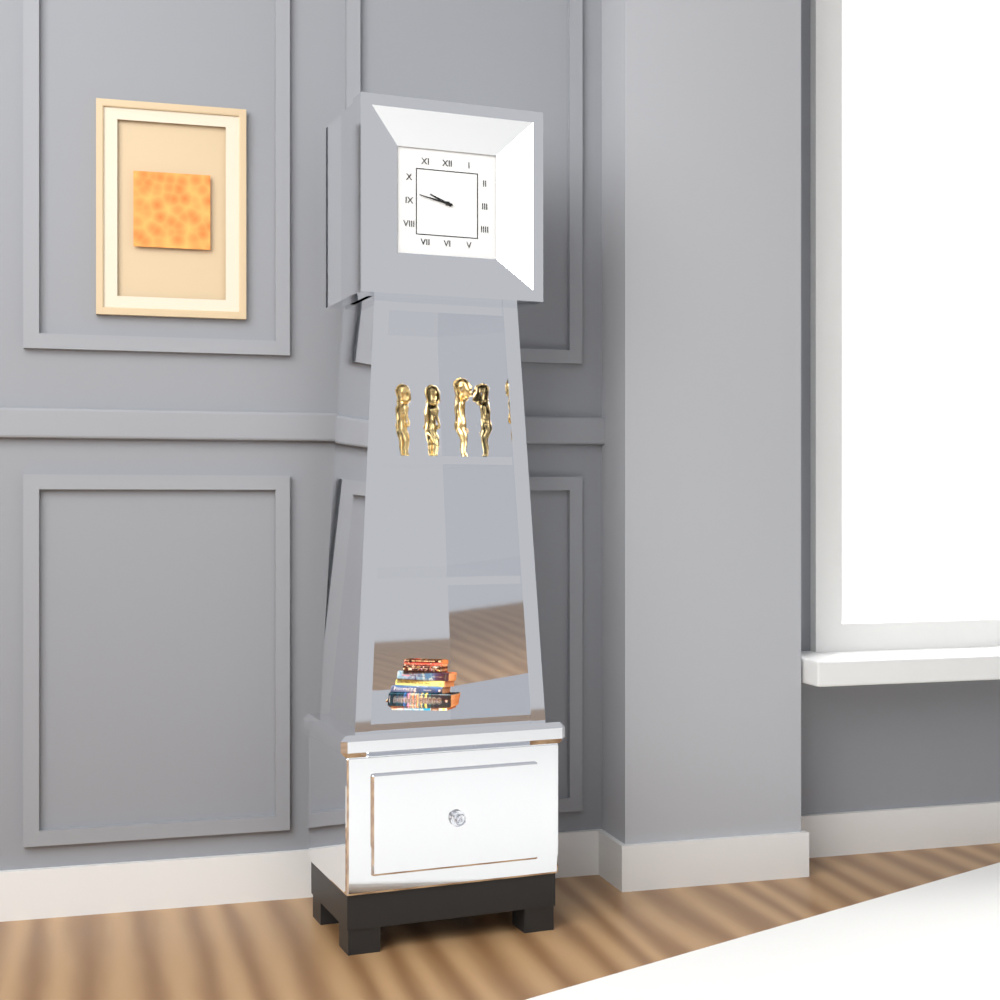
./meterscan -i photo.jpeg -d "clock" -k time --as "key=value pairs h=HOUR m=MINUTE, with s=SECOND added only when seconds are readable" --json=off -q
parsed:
h=9 m=47
